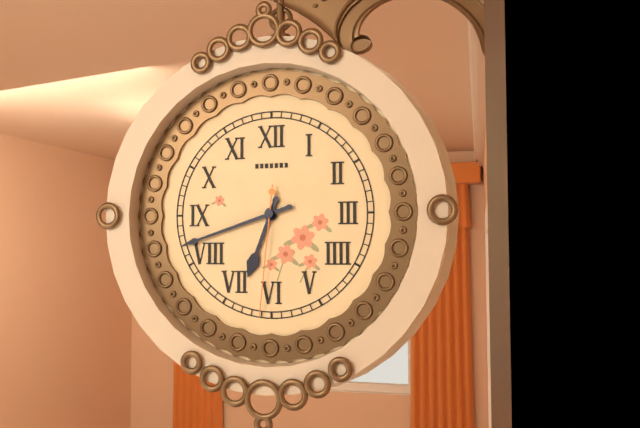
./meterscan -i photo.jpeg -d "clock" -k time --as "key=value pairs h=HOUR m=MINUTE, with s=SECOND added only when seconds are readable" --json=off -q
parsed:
h=6 m=42 s=31
